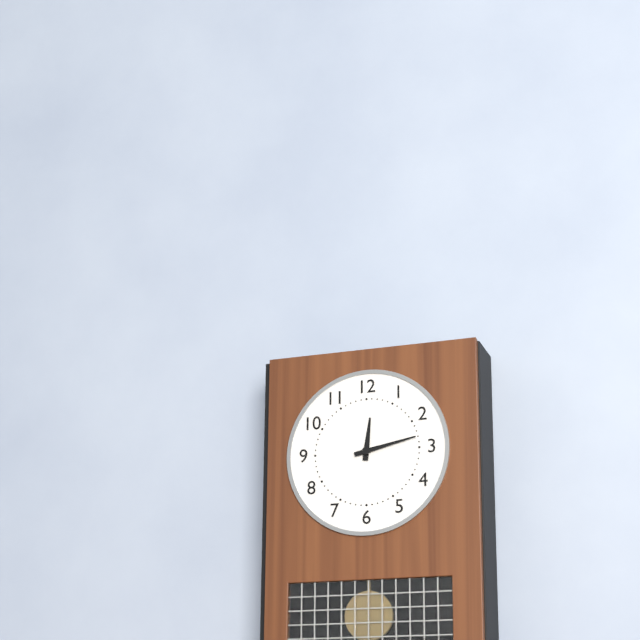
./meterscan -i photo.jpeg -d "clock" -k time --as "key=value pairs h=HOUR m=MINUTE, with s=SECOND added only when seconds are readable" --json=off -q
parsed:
h=12 m=13
